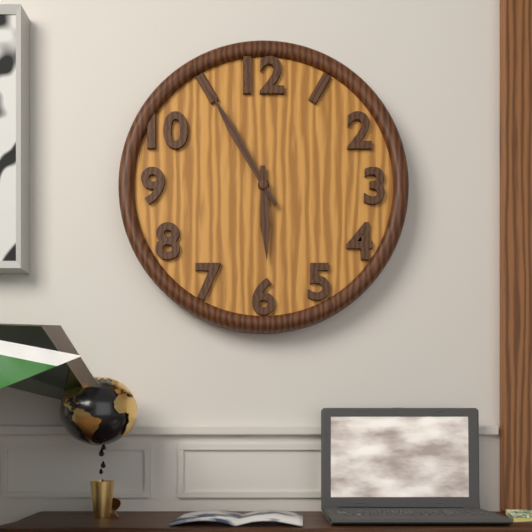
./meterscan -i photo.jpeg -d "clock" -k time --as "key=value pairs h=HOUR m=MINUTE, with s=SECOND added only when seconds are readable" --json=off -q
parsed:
h=5 m=55
